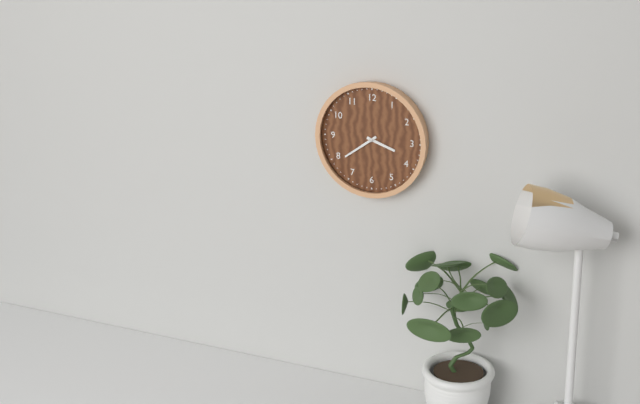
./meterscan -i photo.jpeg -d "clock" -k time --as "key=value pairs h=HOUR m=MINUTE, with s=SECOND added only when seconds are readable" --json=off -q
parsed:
h=3 m=39
